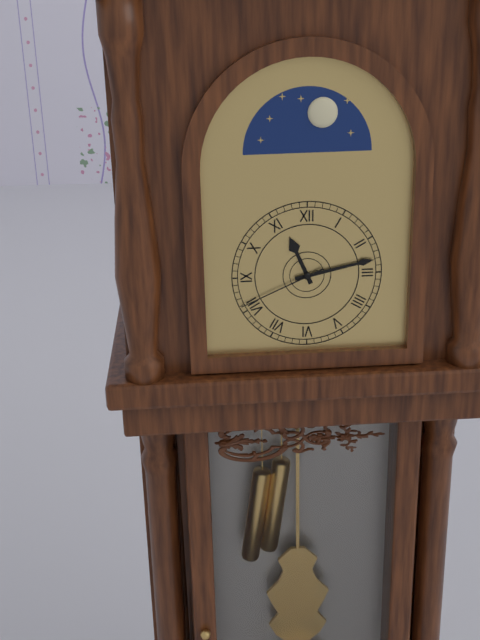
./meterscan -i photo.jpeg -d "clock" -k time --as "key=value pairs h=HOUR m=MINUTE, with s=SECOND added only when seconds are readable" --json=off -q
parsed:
h=11 m=13 s=41
